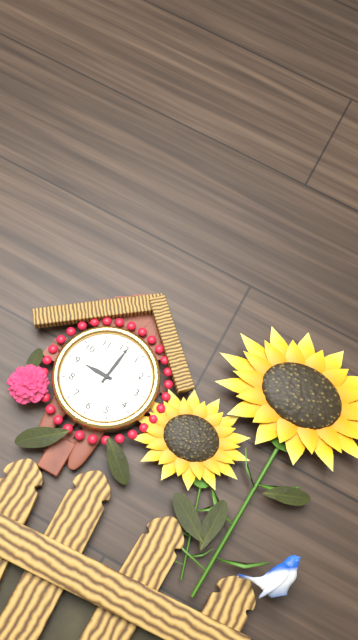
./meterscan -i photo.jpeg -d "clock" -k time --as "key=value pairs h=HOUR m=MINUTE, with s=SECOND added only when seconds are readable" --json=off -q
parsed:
h=9 m=1
